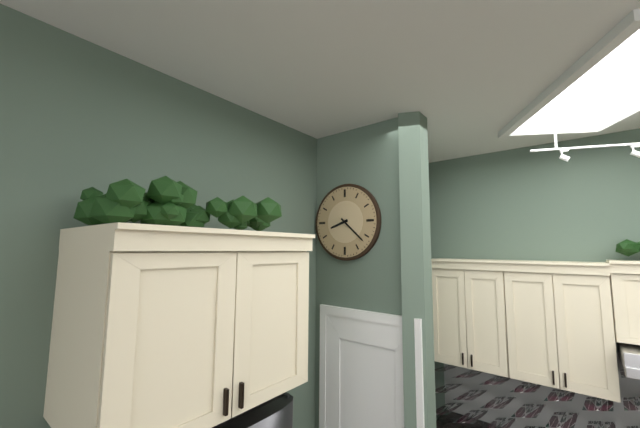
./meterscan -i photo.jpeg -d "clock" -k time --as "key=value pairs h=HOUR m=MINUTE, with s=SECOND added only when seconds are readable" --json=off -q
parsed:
h=8 m=22
